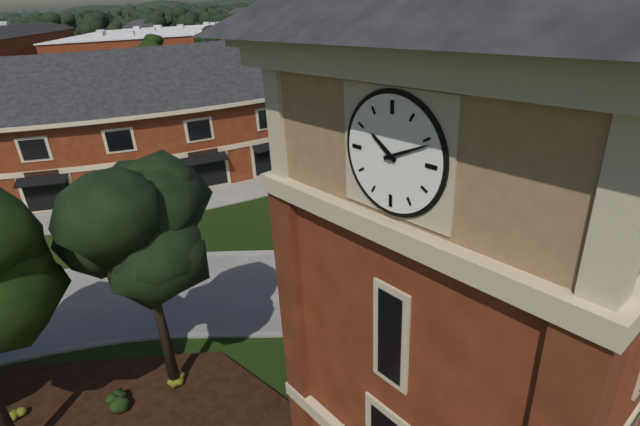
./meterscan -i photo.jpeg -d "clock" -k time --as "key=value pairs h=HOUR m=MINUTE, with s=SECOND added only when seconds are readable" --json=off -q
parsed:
h=10 m=11
